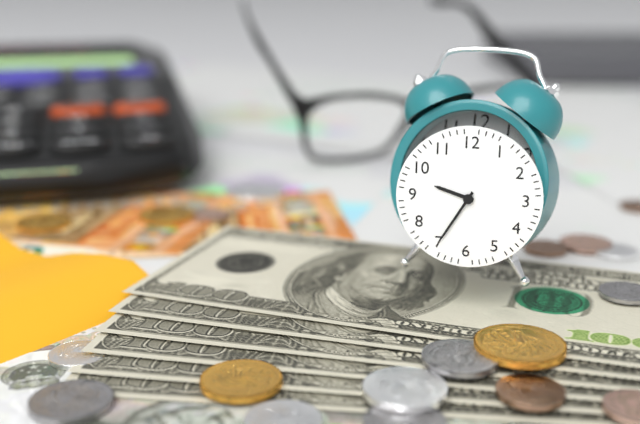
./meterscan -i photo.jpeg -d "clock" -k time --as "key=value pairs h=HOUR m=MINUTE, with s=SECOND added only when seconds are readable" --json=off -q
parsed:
h=9 m=35
